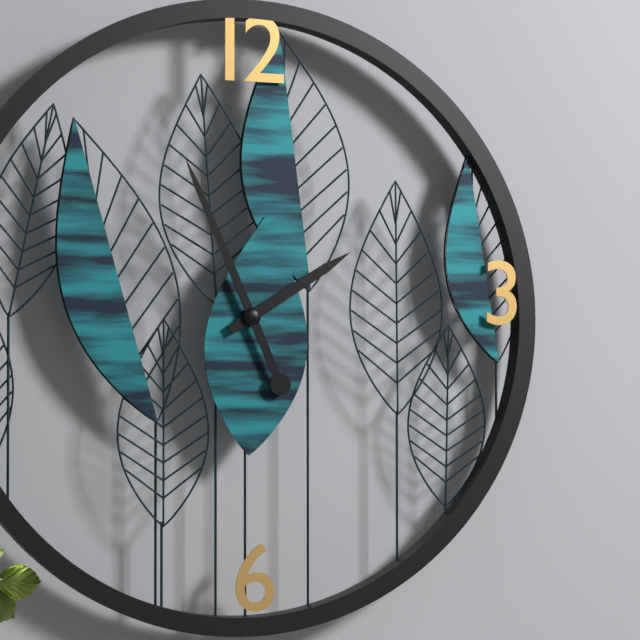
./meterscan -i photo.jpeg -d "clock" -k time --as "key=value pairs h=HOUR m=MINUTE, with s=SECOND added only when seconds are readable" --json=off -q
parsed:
h=1 m=56
